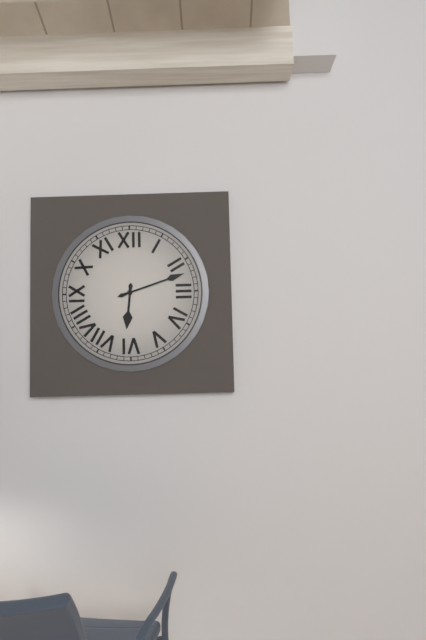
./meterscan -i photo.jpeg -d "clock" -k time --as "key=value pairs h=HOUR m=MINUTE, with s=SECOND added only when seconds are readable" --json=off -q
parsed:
h=6 m=12
